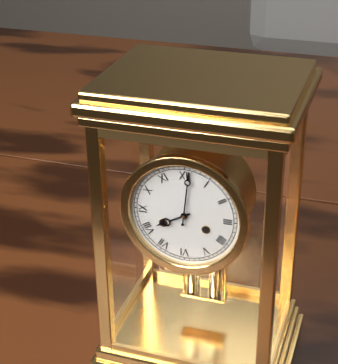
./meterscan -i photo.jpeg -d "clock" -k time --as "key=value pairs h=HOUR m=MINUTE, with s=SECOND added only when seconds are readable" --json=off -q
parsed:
h=8 m=1
